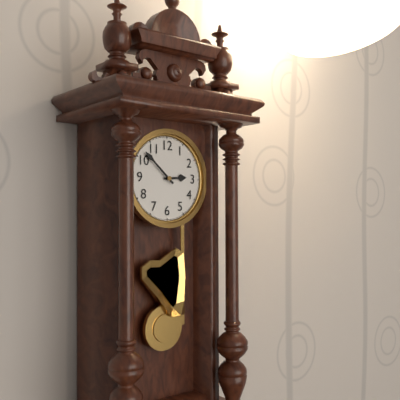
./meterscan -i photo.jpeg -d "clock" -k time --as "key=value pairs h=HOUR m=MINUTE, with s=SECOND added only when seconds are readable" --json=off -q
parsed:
h=2 m=52
